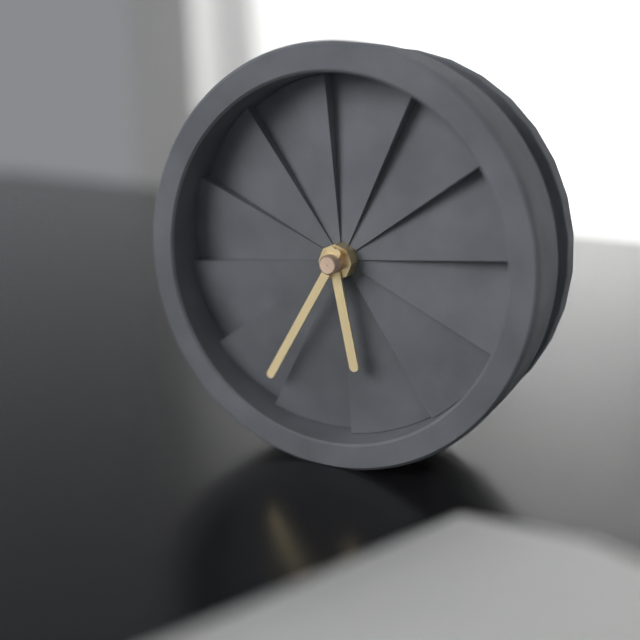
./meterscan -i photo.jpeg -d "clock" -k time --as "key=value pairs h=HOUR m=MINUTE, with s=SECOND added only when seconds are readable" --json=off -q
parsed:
h=5 m=35
